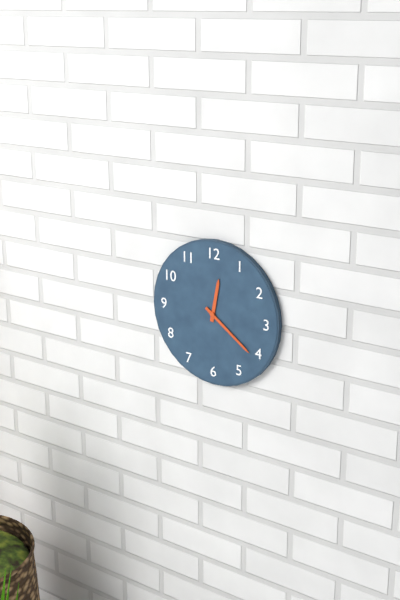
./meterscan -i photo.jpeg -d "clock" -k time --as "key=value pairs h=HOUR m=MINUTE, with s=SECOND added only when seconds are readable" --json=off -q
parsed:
h=12 m=21
